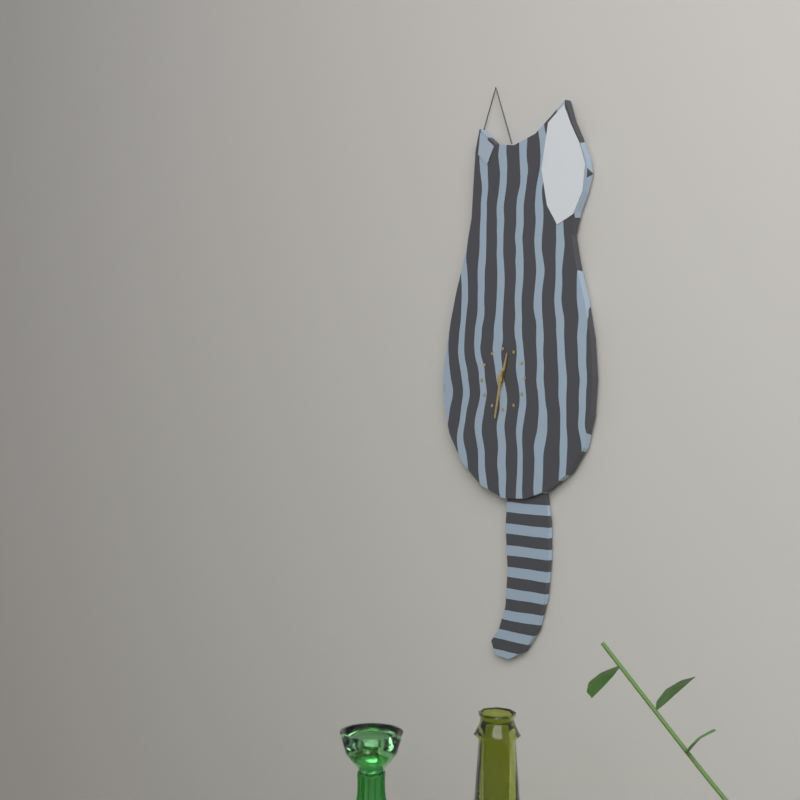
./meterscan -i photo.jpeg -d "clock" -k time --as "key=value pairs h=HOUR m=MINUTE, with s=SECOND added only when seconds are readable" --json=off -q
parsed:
h=12 m=32
